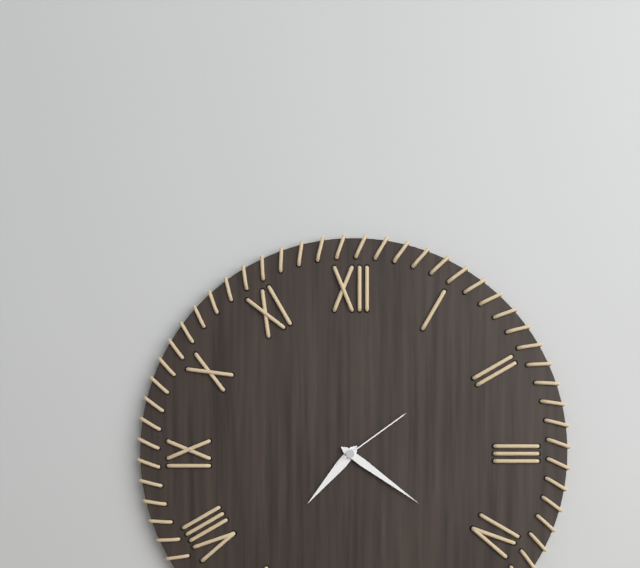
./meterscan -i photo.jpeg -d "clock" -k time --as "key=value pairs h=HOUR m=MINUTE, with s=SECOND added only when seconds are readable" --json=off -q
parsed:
h=7 m=21 s=9
